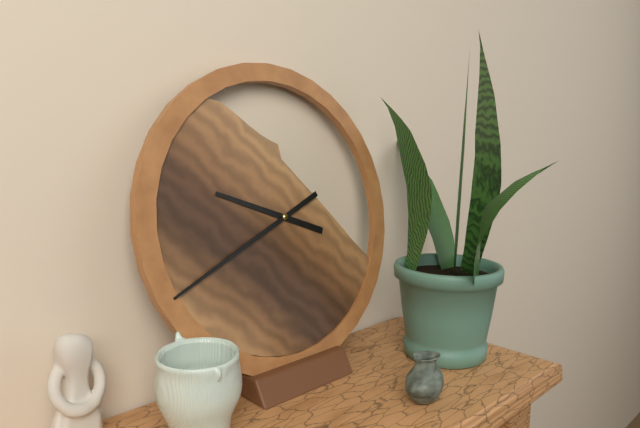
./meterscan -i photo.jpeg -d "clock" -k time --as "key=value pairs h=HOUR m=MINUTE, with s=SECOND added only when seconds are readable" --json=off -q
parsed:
h=9 m=41
